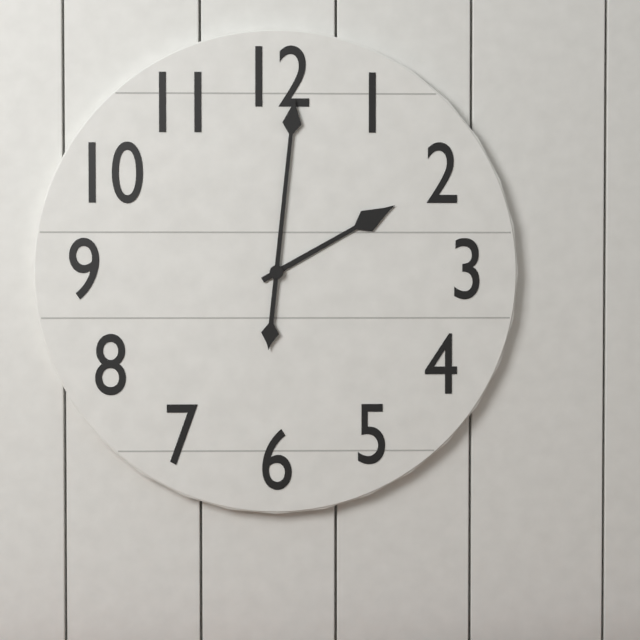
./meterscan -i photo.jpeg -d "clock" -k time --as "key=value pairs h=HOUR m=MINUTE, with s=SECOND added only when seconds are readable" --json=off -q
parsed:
h=2 m=1
